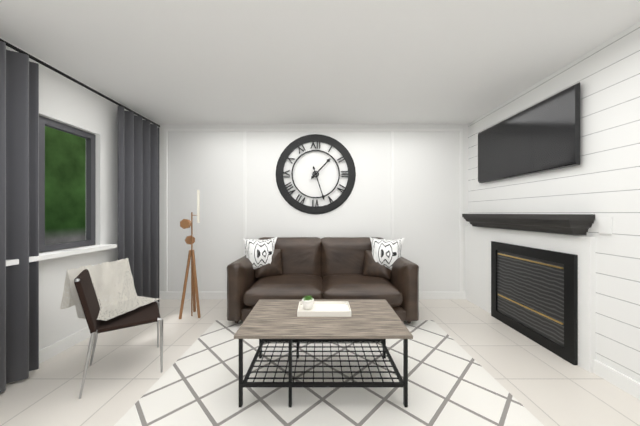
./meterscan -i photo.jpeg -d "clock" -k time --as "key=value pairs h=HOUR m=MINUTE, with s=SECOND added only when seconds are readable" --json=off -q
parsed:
h=1 m=27
